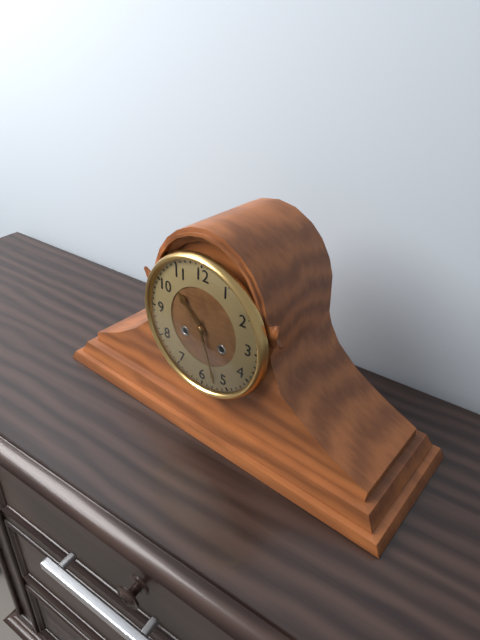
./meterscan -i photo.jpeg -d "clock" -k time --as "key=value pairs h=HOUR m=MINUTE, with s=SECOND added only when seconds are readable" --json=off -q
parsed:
h=10 m=27
